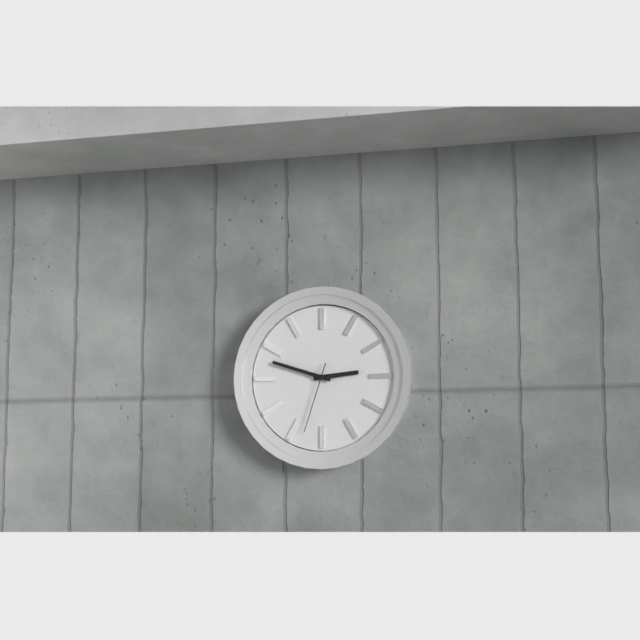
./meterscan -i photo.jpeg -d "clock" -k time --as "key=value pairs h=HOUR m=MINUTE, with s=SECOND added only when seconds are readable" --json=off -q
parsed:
h=2 m=48 s=33
